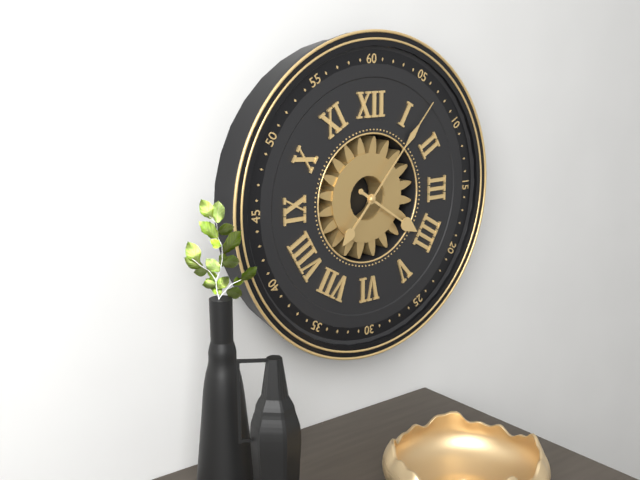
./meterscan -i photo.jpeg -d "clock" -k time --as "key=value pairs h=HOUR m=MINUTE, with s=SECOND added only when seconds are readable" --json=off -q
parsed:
h=4 m=7
